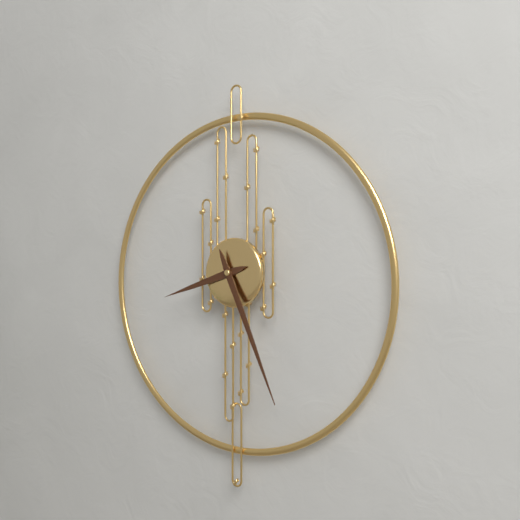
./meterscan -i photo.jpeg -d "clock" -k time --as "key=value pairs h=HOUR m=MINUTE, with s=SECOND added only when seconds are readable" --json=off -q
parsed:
h=8 m=26
